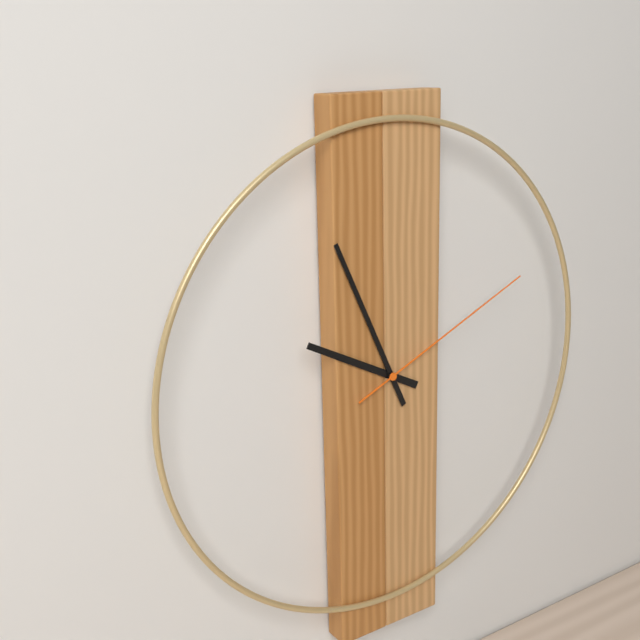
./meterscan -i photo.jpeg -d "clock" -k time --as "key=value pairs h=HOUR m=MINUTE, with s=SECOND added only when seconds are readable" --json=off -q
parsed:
h=9 m=56 s=11
